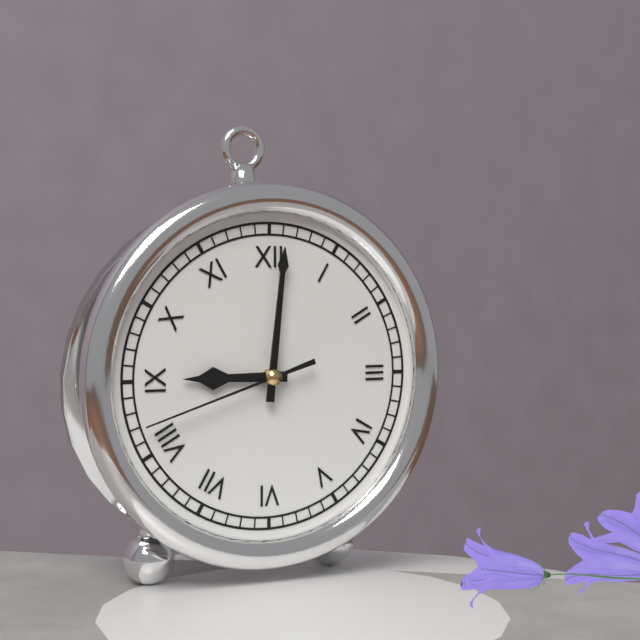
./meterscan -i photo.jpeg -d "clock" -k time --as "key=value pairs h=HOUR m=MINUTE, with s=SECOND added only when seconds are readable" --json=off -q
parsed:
h=9 m=1 s=42
